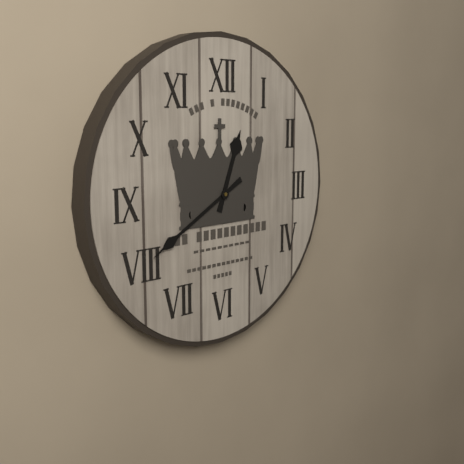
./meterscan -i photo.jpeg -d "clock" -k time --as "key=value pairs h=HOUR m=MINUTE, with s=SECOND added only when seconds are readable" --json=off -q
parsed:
h=12 m=40
